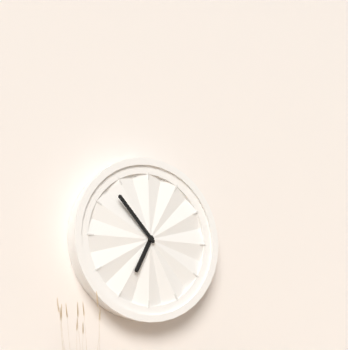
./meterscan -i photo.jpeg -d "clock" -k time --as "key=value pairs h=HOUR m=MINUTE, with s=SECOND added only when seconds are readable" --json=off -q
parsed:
h=6 m=53
